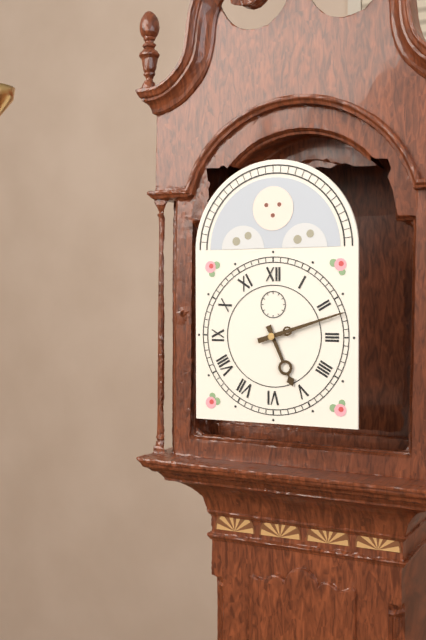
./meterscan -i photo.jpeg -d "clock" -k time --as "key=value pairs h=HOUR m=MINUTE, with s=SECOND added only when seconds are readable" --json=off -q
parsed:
h=5 m=12
